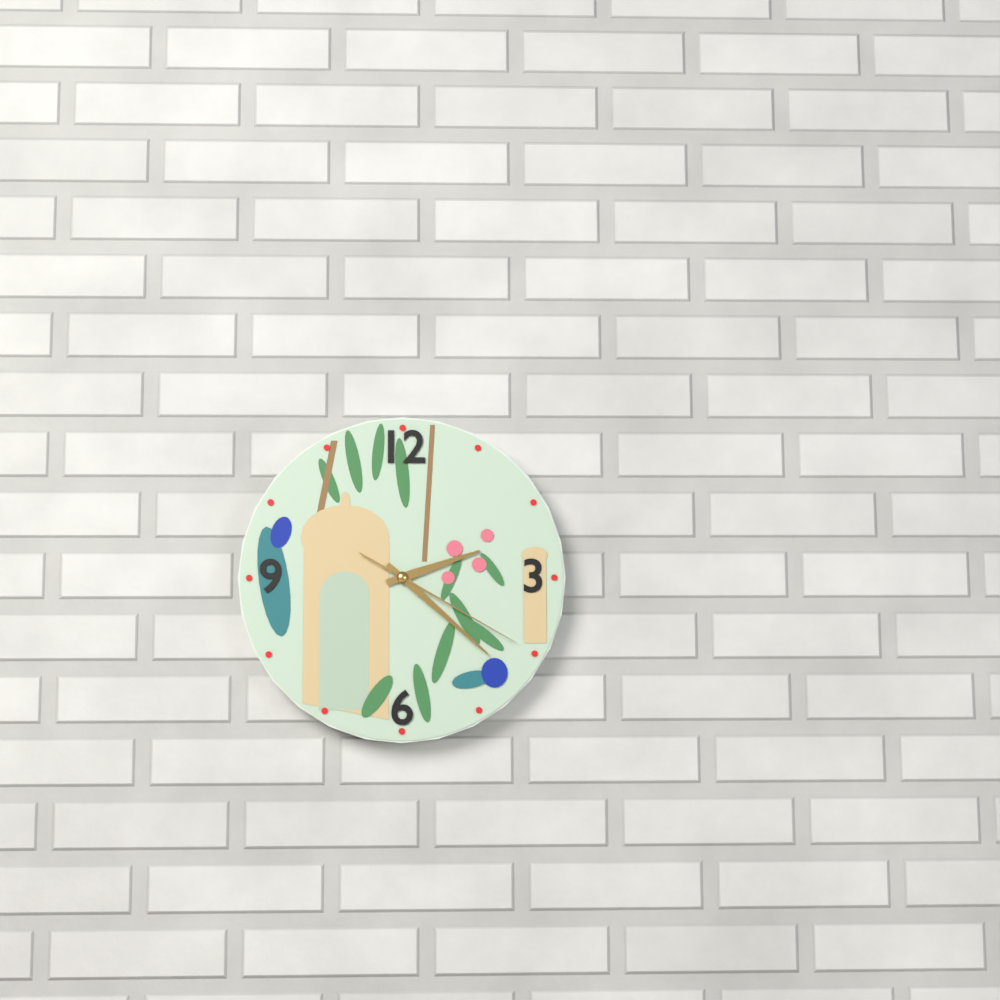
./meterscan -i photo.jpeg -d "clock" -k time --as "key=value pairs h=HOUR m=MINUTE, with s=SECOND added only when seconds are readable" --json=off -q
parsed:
h=2 m=22 s=20
